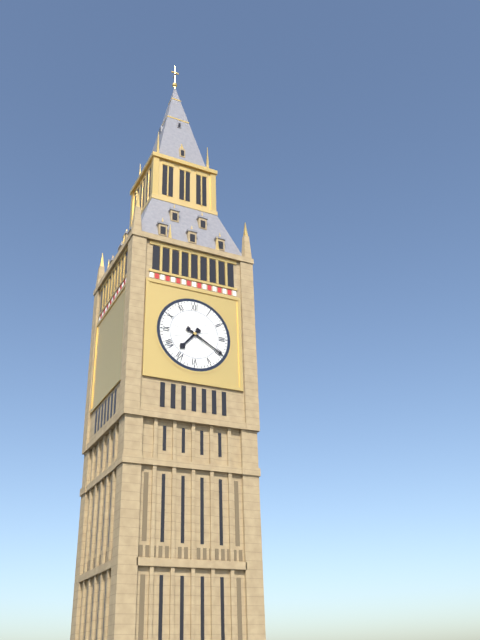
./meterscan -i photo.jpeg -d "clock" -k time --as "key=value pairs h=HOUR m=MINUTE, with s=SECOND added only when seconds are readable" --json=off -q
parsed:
h=7 m=20
